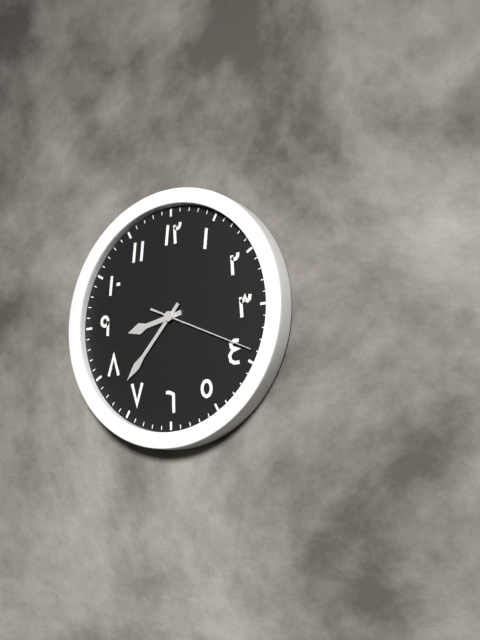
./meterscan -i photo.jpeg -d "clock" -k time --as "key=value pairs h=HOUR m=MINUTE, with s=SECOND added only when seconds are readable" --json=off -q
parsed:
h=8 m=37 s=19
